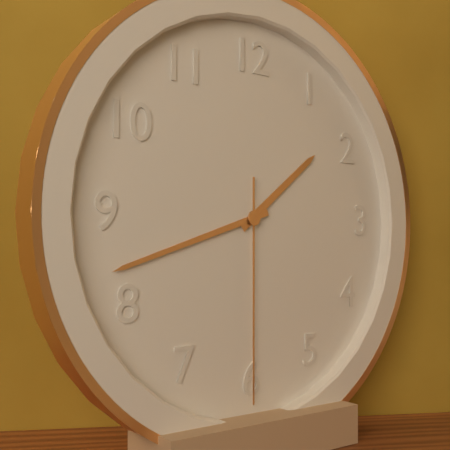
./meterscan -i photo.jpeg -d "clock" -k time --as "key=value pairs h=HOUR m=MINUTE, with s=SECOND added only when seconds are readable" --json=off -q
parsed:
h=1 m=42 s=30
